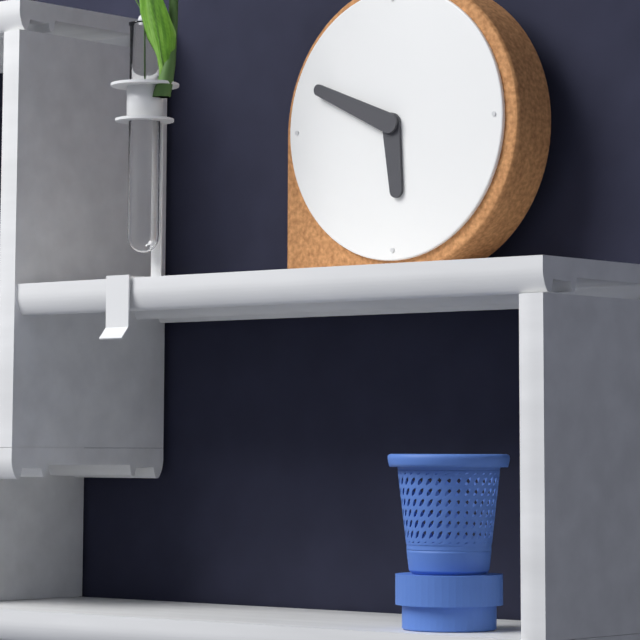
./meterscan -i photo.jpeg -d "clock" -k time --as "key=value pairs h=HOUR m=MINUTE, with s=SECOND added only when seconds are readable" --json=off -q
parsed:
h=5 m=49
